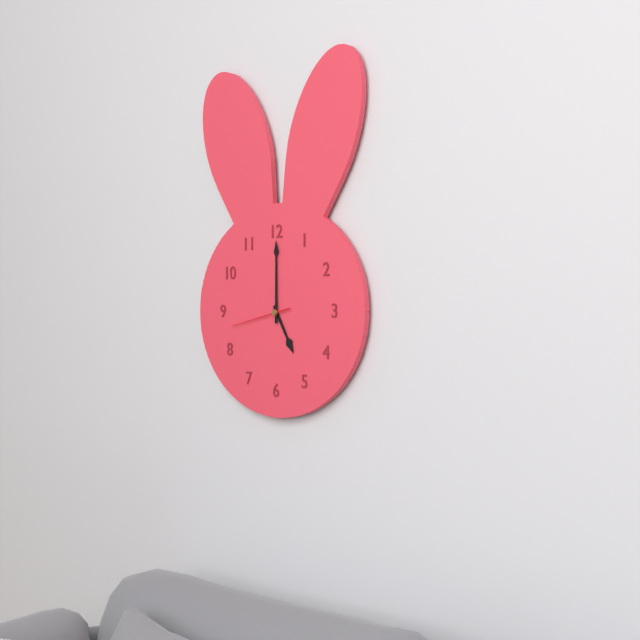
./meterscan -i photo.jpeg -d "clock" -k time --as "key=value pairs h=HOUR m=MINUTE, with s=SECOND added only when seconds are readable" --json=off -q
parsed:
h=5 m=0 s=43
